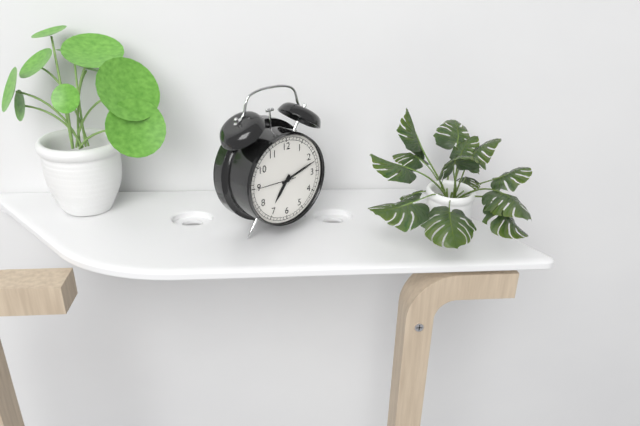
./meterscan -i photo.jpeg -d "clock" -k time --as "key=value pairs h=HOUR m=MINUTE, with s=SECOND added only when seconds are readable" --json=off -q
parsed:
h=7 m=12
